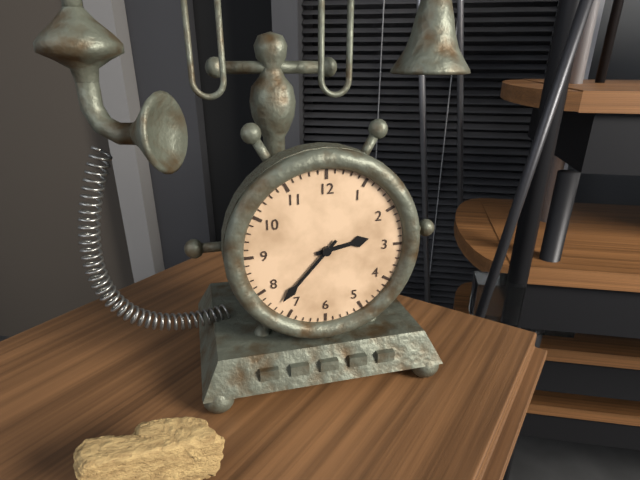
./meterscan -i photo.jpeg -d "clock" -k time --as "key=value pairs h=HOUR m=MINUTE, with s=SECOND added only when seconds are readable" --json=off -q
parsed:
h=2 m=37
